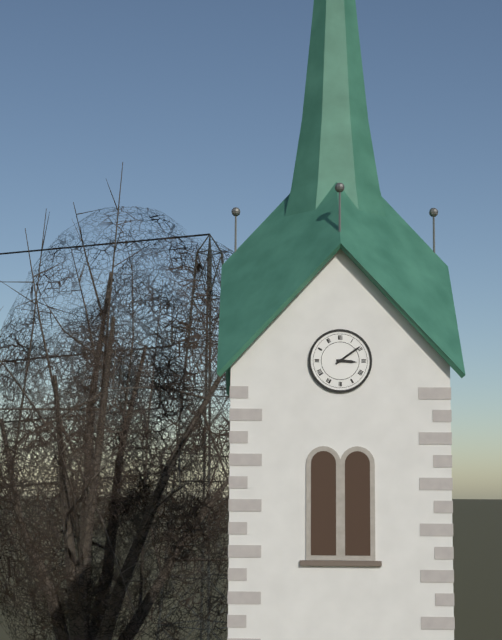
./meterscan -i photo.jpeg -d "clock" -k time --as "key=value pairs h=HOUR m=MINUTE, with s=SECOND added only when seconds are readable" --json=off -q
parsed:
h=3 m=9
